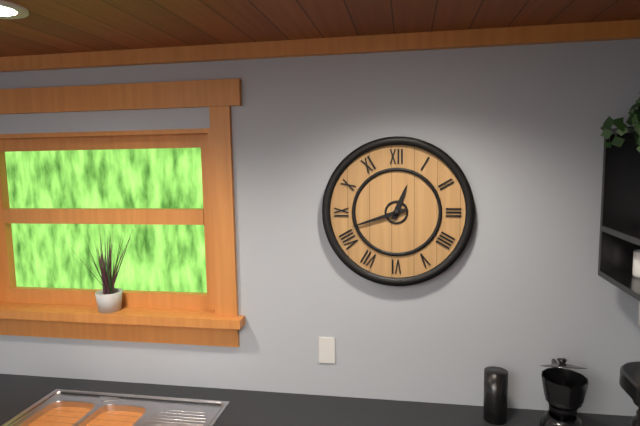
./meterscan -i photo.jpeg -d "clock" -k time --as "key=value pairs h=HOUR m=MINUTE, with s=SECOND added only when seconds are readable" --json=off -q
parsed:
h=12 m=42
